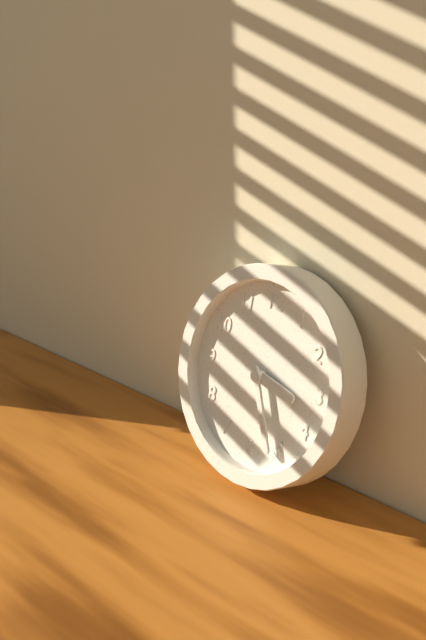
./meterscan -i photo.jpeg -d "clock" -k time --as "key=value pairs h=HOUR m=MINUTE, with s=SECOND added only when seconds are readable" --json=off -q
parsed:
h=3 m=26
